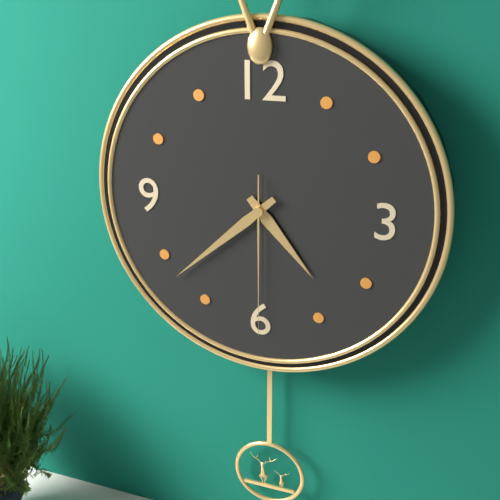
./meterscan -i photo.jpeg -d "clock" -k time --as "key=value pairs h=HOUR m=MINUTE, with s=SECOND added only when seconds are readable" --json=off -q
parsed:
h=4 m=38 s=30
